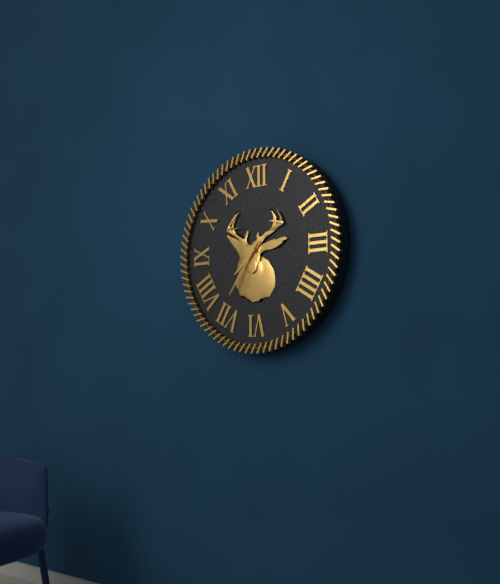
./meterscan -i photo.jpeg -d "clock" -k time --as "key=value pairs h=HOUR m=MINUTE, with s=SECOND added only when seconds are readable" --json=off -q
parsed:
h=7 m=36
